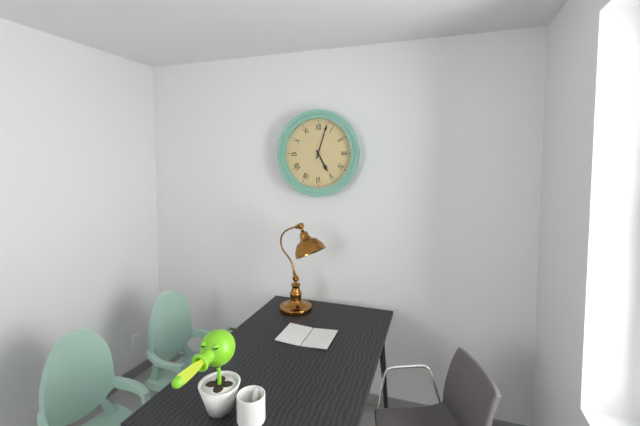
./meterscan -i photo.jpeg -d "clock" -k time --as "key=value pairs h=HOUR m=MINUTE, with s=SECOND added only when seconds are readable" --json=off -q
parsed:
h=5 m=3
